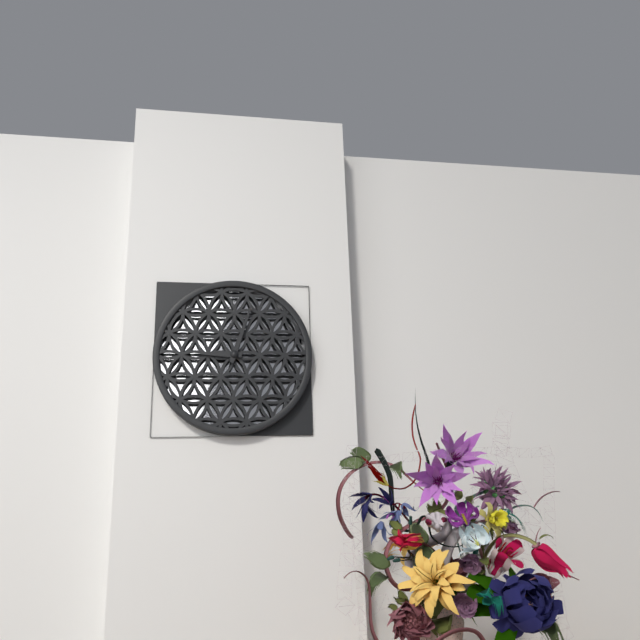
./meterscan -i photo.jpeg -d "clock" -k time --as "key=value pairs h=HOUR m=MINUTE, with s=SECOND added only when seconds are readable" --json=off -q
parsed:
h=9 m=3
